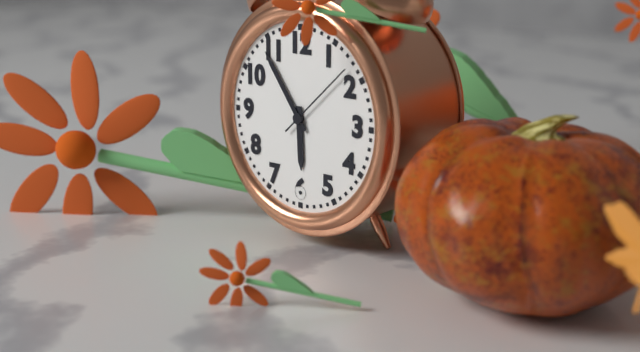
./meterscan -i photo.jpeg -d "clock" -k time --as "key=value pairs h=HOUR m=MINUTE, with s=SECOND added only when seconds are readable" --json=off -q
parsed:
h=5 m=54 s=8
